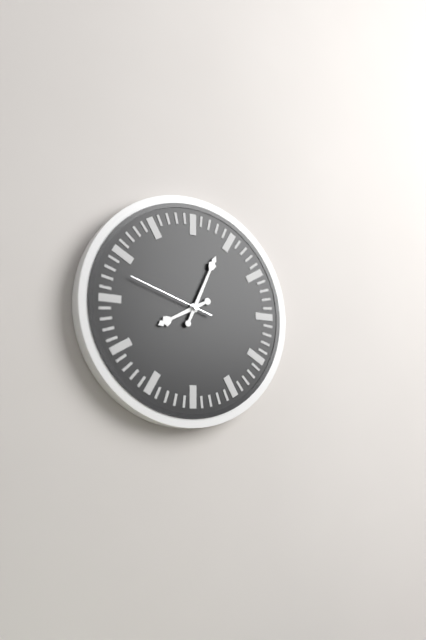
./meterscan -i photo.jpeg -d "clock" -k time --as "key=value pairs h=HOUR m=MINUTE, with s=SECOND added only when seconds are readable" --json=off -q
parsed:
h=8 m=4 s=48
